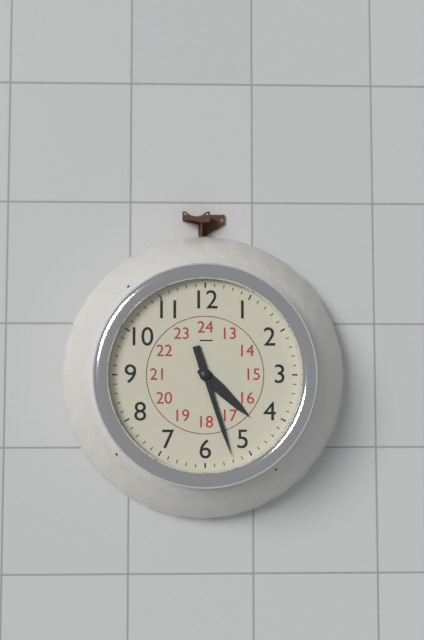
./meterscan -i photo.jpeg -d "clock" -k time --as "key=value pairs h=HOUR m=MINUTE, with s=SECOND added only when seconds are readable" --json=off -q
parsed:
h=4 m=27
